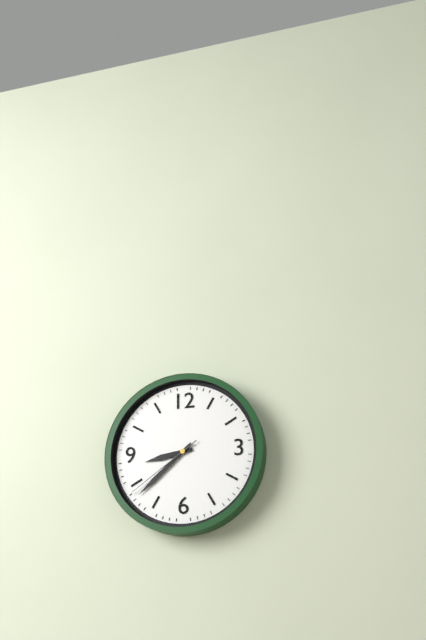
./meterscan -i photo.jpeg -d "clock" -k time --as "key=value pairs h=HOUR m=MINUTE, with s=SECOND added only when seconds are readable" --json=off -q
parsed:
h=8 m=38 s=39
